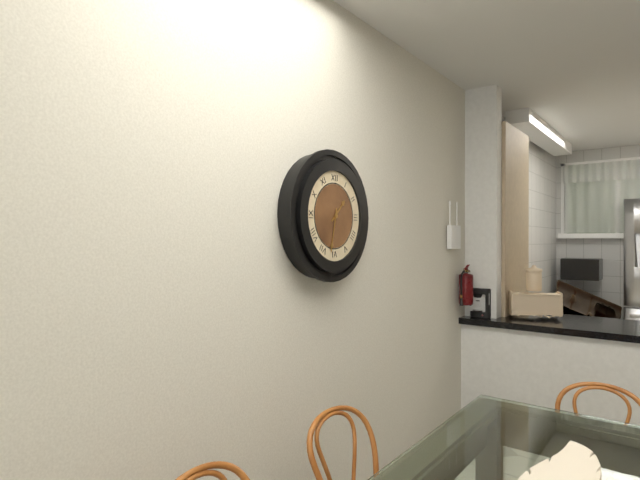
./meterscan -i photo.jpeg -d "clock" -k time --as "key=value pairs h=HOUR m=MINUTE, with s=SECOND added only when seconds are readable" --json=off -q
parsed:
h=1 m=32
